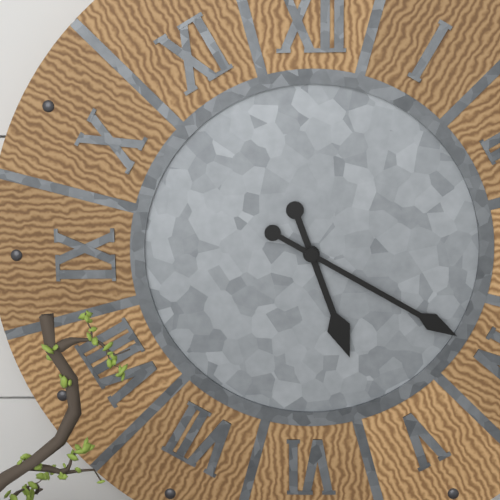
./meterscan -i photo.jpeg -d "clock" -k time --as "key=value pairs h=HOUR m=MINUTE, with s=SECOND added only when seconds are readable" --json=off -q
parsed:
h=5 m=20
